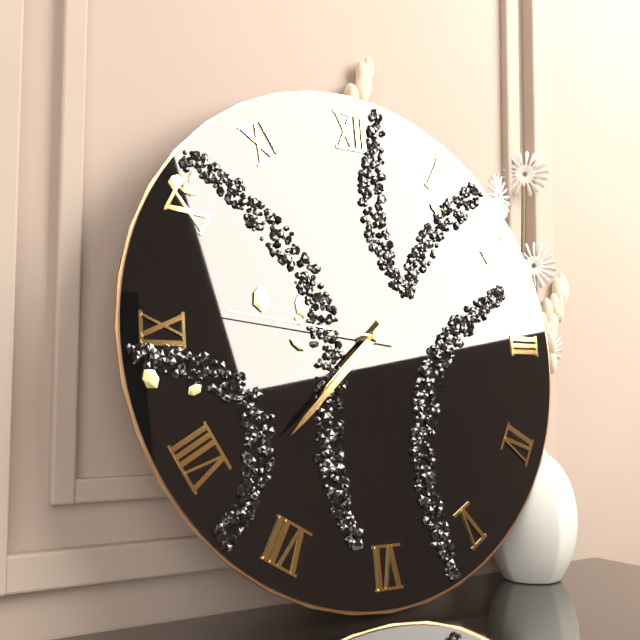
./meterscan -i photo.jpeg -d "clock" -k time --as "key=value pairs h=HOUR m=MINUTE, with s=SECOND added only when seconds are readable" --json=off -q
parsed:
h=7 m=38 s=46
